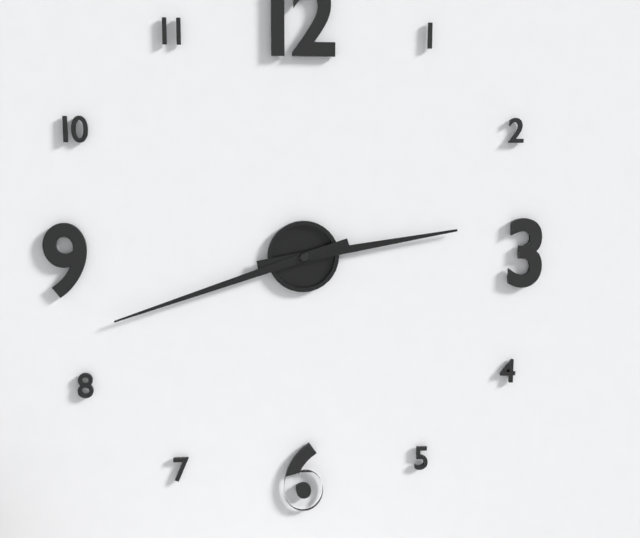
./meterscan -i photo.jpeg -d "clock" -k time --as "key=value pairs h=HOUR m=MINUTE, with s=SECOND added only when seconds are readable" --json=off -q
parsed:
h=2 m=42
